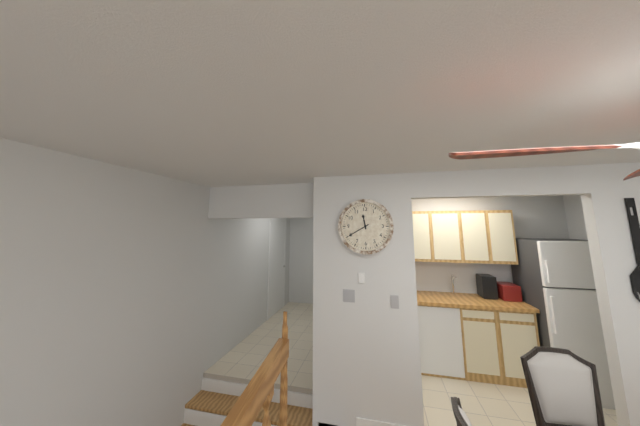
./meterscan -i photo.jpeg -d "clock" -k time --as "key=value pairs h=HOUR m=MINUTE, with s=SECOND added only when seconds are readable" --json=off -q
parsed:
h=11 m=40
